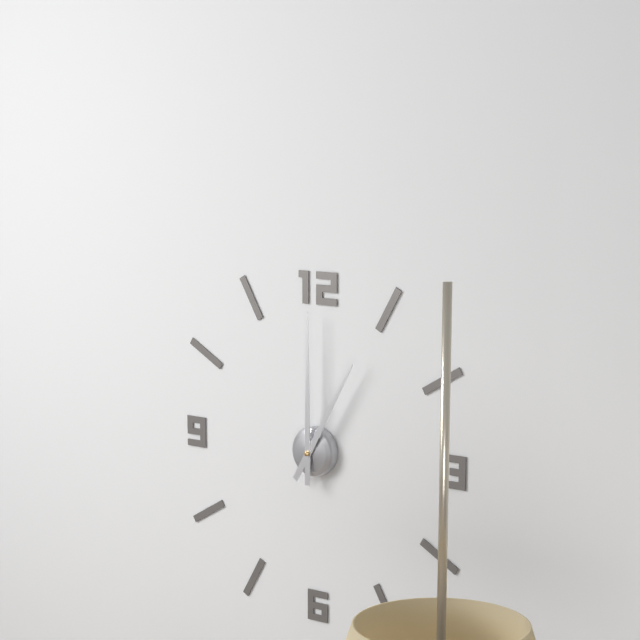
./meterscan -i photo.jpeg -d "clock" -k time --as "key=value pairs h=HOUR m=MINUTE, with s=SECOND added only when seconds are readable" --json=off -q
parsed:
h=1 m=0
